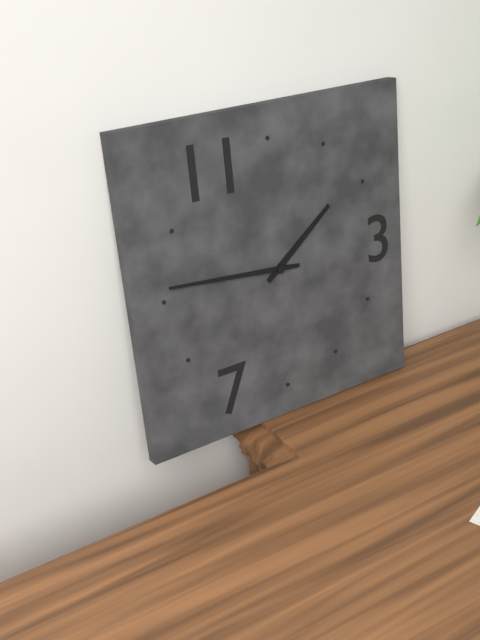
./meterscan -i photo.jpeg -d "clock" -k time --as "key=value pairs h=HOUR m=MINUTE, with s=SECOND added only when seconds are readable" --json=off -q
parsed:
h=1 m=46
